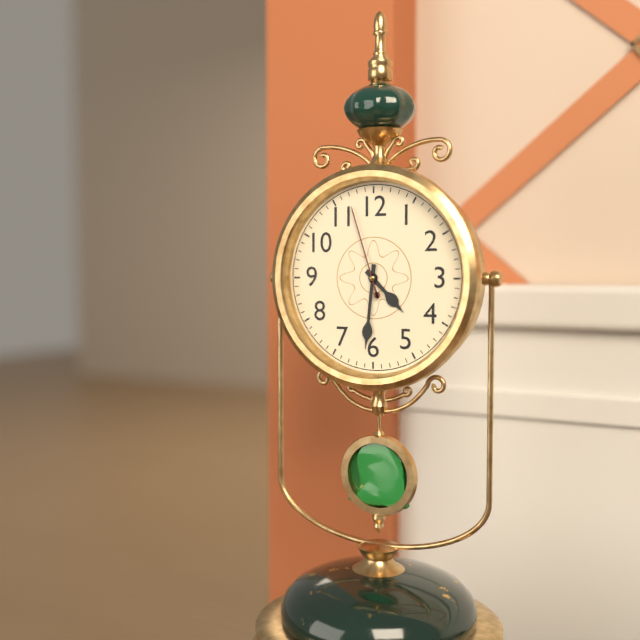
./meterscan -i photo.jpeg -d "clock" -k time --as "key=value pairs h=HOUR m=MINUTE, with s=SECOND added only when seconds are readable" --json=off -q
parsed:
h=4 m=31 s=57
